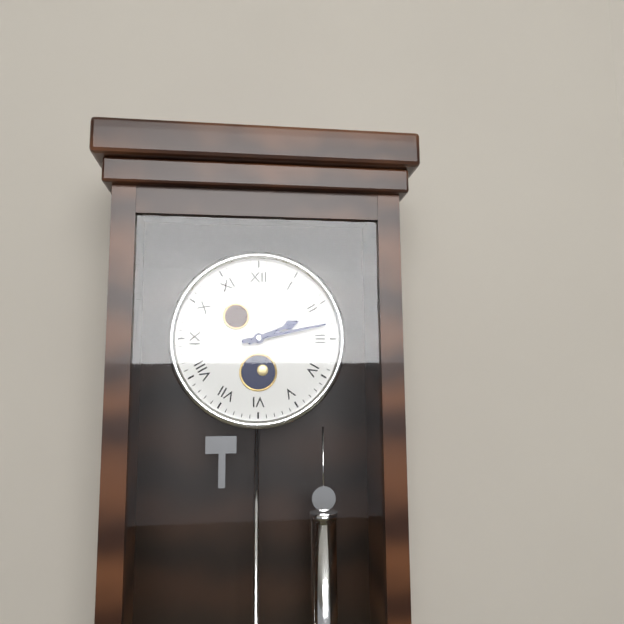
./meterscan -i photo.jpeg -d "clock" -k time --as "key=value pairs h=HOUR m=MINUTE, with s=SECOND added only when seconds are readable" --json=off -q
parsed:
h=2 m=13
